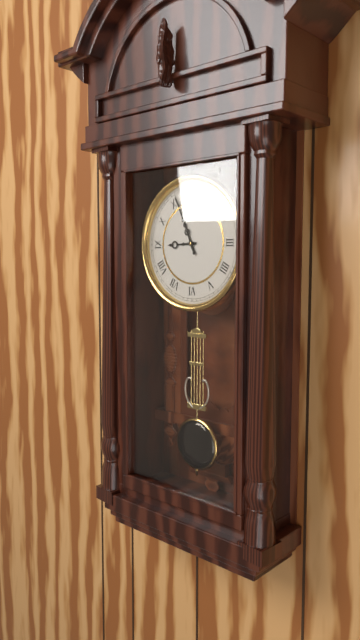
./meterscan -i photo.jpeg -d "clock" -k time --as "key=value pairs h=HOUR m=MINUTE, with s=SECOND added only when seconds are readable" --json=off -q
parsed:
h=8 m=56
